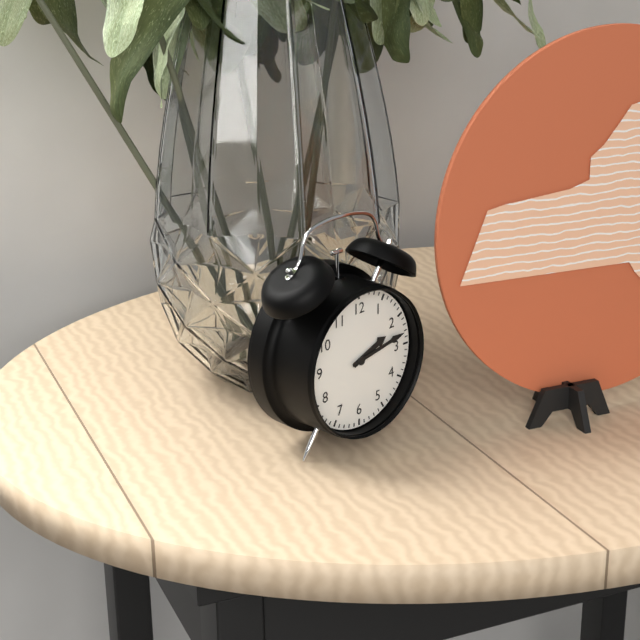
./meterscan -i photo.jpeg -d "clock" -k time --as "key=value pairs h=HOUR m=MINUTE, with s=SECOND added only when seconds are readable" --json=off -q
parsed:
h=2 m=13
